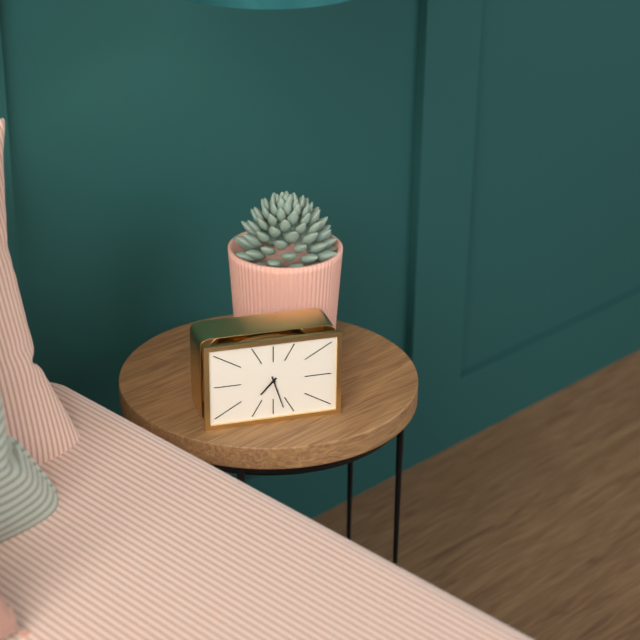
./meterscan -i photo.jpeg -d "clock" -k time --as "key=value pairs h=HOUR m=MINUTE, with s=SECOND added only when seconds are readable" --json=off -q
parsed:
h=7 m=27
